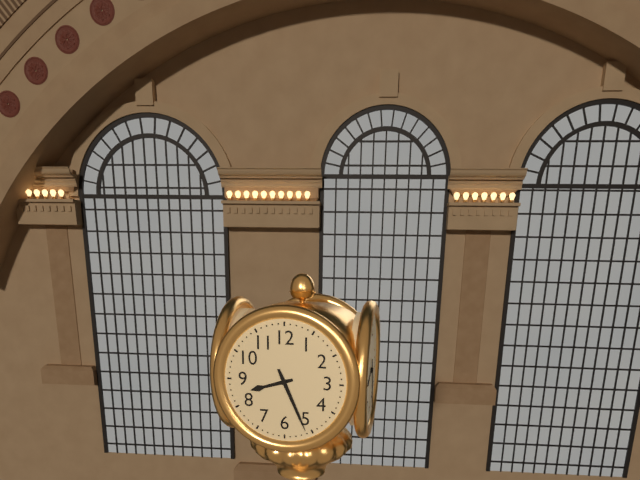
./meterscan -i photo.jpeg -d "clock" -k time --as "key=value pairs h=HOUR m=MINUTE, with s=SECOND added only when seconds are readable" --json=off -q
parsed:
h=8 m=26
